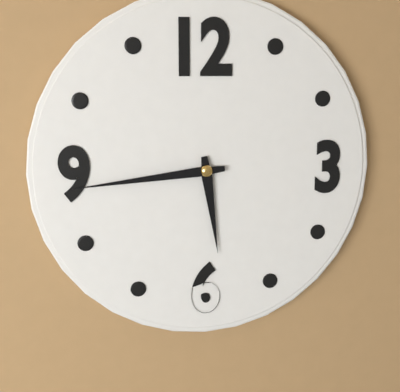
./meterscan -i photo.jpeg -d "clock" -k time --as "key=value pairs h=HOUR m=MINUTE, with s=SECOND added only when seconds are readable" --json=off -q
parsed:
h=5 m=44
